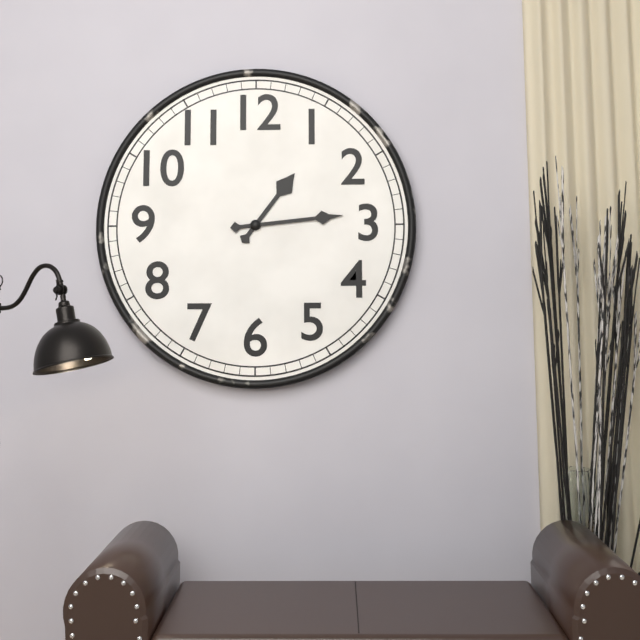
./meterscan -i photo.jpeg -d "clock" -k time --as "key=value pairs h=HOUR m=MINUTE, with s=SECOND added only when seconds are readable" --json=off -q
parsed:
h=1 m=14
